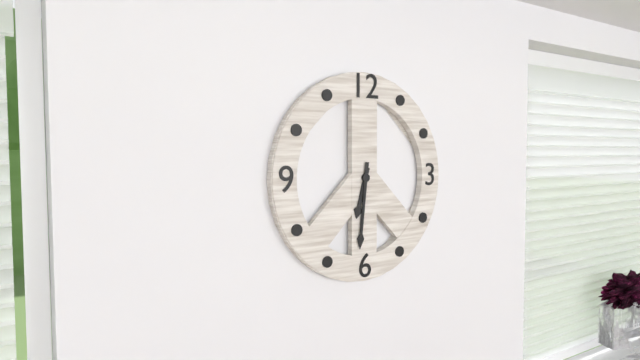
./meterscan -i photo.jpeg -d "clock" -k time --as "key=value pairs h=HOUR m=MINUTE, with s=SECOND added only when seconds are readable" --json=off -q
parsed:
h=6 m=31
